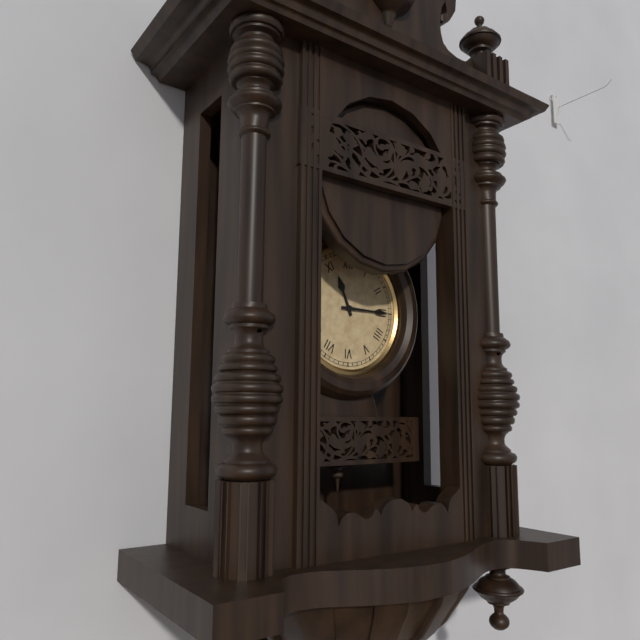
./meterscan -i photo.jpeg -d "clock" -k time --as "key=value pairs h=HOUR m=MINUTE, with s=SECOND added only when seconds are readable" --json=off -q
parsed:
h=11 m=15
